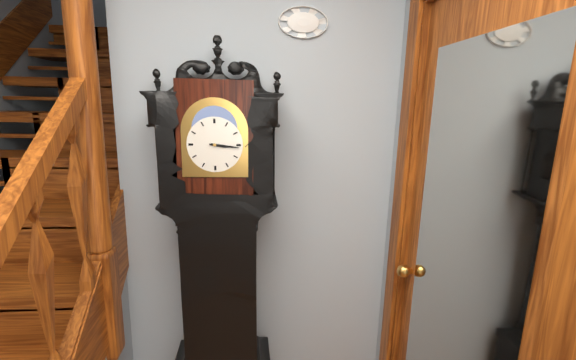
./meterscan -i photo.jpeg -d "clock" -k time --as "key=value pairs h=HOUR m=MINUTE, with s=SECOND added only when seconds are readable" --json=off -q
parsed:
h=3 m=16
